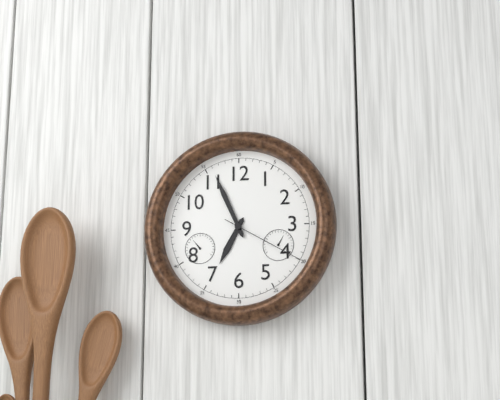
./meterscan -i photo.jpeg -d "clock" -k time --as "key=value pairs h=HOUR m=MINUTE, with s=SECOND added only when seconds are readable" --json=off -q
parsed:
h=6 m=56 s=20
